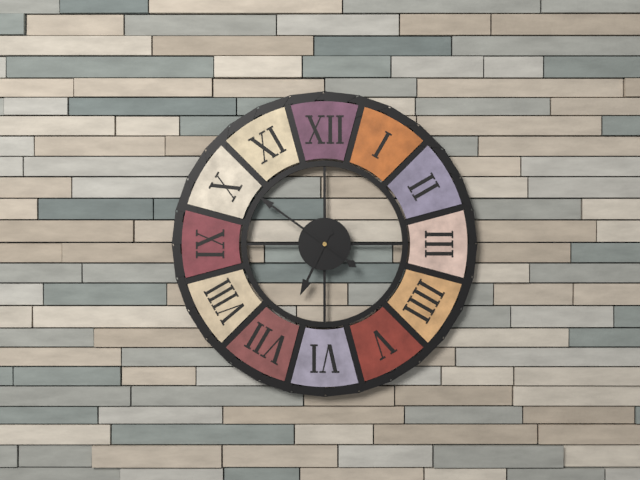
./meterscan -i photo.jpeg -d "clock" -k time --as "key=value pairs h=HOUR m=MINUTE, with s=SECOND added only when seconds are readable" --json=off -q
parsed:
h=6 m=51
